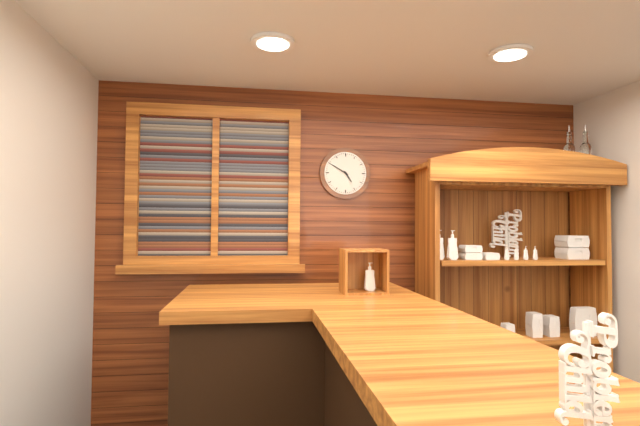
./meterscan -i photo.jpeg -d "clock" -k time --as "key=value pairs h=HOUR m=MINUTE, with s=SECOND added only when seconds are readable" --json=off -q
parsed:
h=4 m=50
